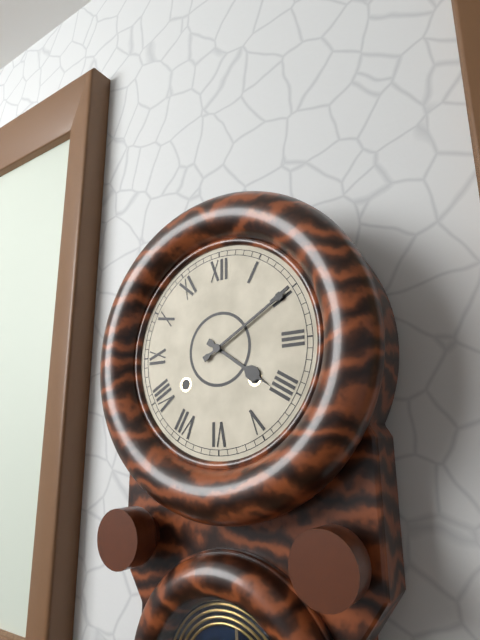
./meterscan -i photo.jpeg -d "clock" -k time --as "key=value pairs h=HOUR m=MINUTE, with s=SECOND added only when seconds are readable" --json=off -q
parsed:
h=4 m=10
